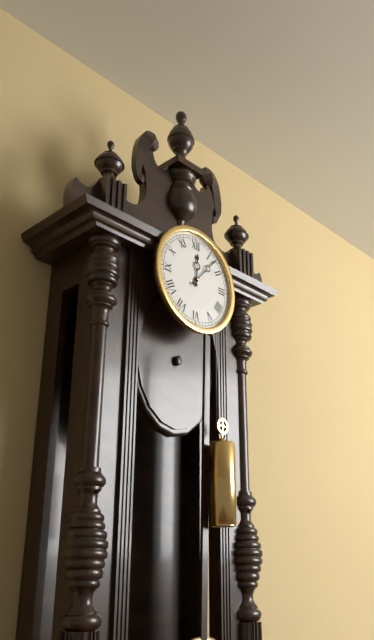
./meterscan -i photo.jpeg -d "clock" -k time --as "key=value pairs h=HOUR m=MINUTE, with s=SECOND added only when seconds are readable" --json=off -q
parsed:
h=12 m=7
